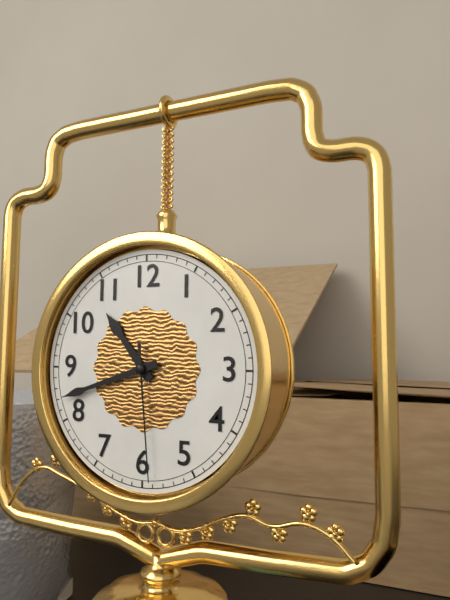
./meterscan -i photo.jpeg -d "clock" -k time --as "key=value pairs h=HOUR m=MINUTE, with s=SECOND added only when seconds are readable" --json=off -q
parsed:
h=10 m=42 s=29
